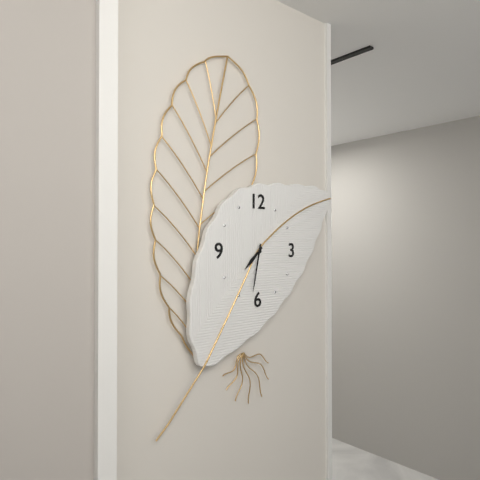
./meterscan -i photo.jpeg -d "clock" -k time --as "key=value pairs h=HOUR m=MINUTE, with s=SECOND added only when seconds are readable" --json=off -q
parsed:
h=7 m=32
